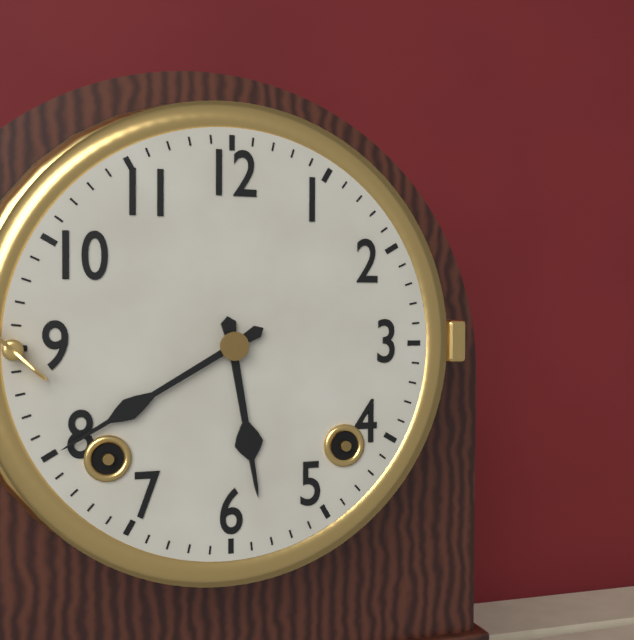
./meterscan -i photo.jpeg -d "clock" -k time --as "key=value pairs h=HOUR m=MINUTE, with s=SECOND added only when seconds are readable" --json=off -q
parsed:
h=5 m=40
